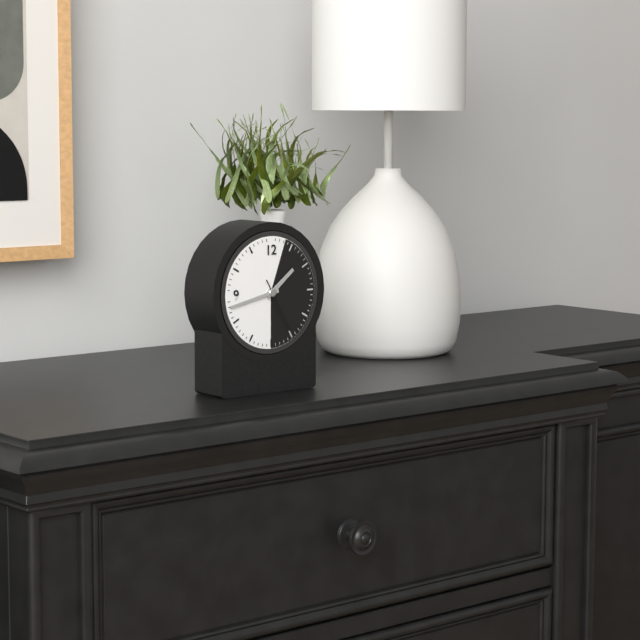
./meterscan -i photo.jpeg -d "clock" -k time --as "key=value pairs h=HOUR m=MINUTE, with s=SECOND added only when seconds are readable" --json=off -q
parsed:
h=1 m=43 s=25
